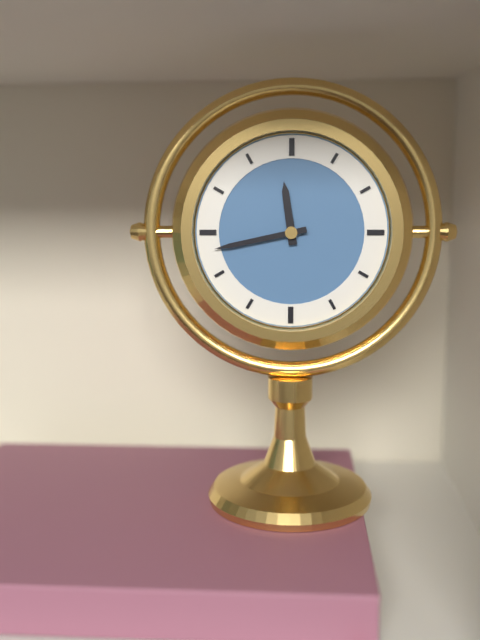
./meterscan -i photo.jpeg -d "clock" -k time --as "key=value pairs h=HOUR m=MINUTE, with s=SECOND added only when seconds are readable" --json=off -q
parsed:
h=11 m=43
